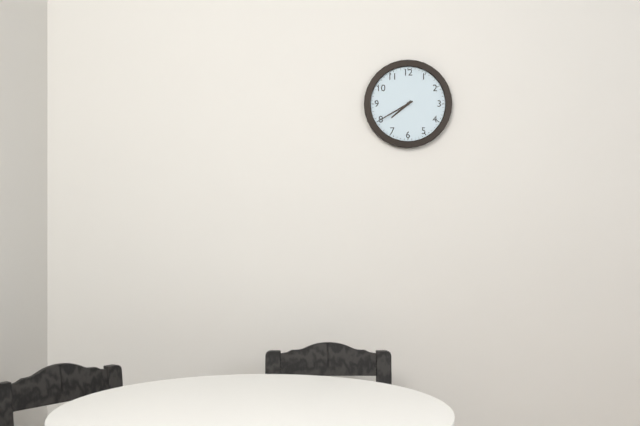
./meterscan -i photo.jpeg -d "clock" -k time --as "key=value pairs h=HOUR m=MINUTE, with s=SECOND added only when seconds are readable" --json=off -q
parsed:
h=7 m=40
